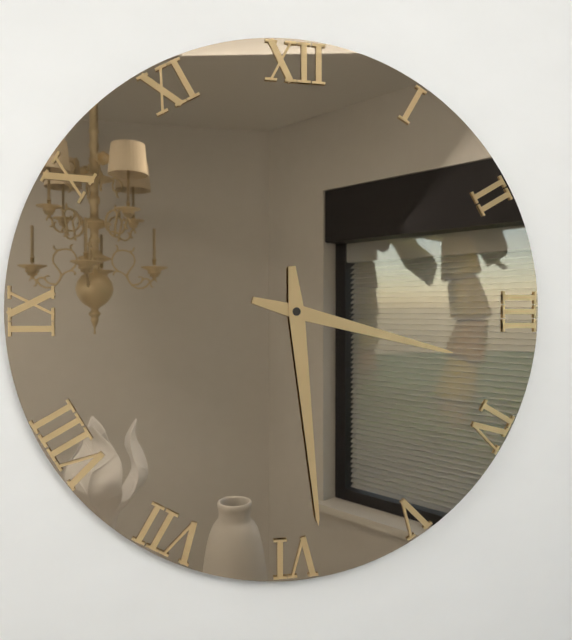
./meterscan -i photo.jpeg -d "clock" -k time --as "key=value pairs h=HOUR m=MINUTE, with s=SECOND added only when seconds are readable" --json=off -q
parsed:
h=3 m=29
